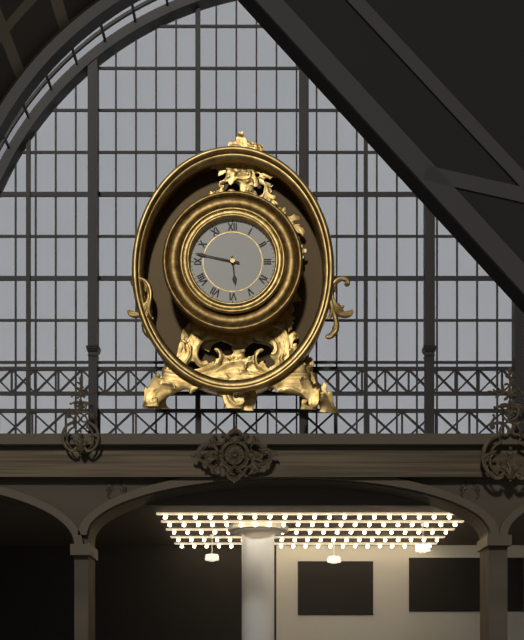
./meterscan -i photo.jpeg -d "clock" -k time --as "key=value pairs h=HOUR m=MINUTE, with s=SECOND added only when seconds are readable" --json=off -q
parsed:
h=5 m=47
